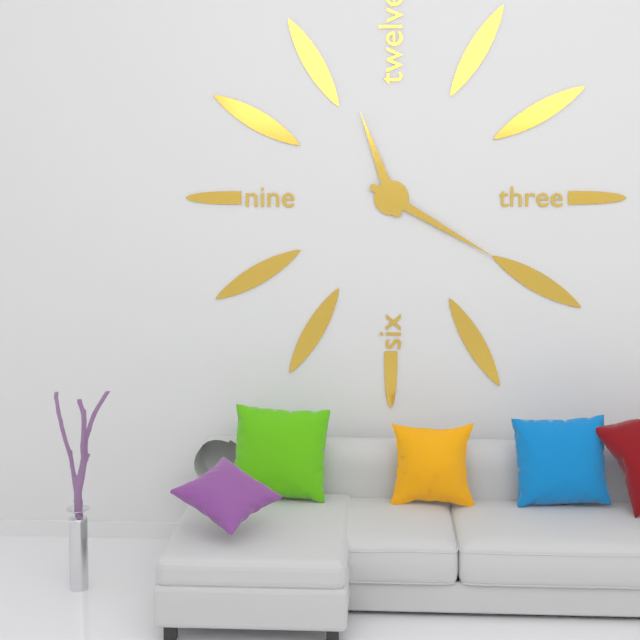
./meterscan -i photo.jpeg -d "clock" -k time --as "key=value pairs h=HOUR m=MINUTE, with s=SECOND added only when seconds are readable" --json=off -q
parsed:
h=11 m=20
